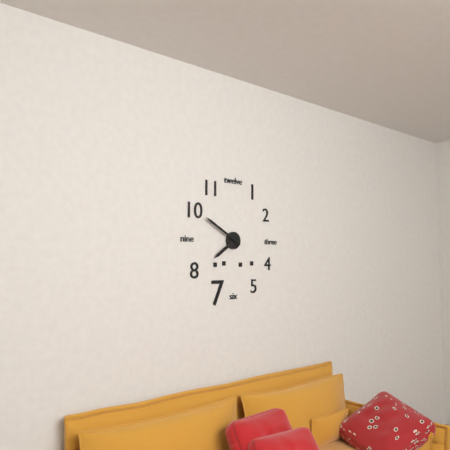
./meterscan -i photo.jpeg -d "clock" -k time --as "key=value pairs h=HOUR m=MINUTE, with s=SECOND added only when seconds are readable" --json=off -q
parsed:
h=7 m=50
